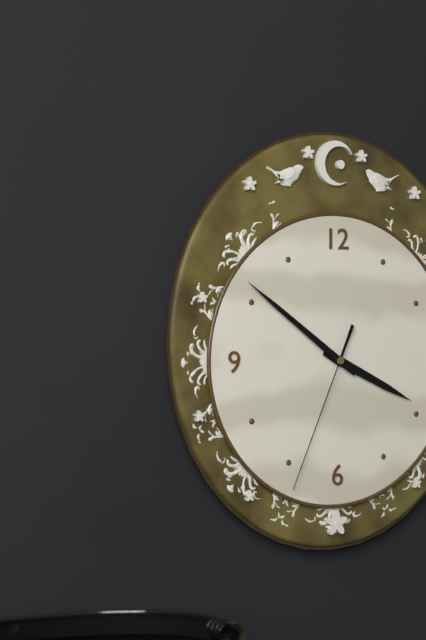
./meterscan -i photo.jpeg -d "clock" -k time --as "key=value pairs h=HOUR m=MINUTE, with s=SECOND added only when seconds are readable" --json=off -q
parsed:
h=3 m=51 s=34
